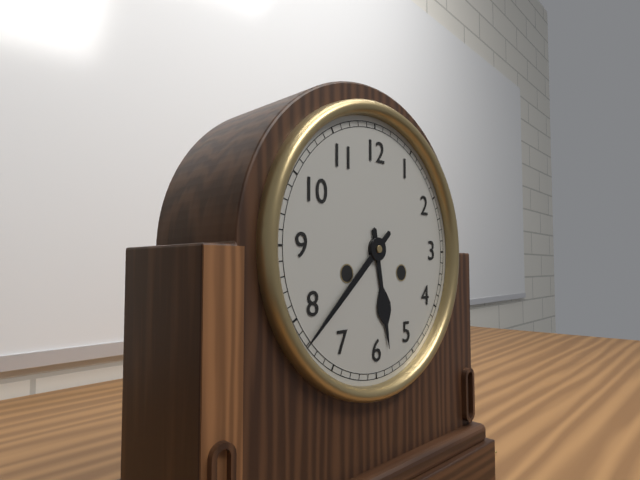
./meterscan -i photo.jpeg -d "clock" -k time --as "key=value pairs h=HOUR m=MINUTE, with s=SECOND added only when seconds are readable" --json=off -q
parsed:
h=5 m=38
